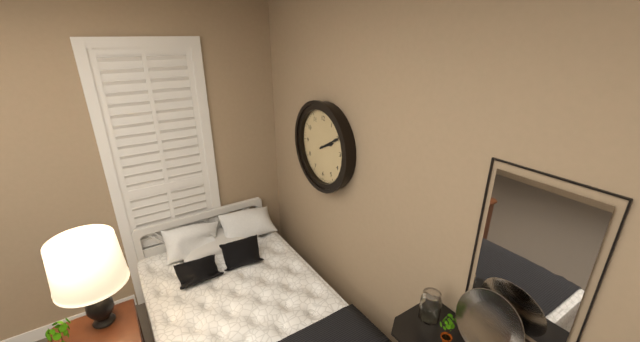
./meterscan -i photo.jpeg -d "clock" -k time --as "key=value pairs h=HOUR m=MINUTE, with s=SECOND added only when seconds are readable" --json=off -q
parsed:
h=2 m=10
